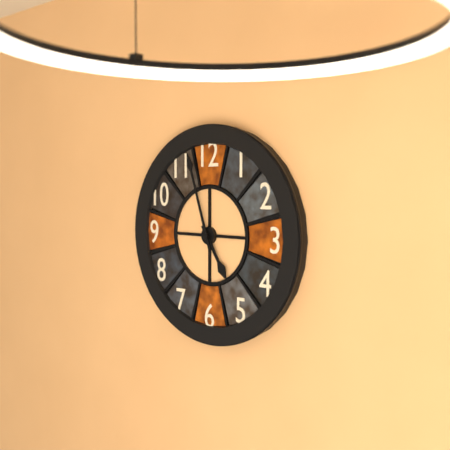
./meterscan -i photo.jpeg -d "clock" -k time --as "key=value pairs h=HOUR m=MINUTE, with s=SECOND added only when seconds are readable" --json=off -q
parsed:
h=4 m=57
